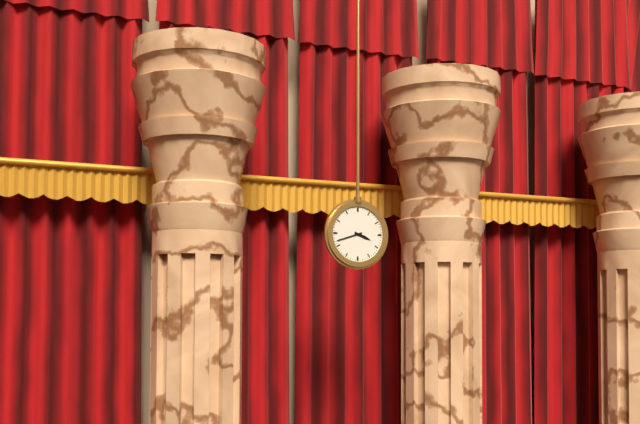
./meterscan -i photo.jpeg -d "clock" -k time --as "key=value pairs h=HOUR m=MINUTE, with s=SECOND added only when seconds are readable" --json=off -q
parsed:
h=3 m=42
